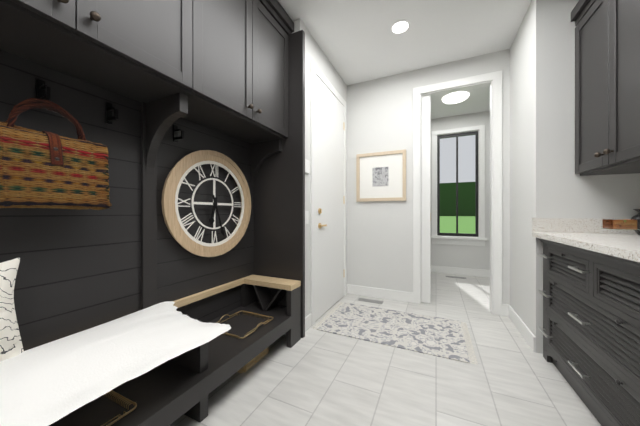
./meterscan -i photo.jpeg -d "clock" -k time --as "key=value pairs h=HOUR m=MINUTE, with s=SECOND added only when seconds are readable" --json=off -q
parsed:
h=6 m=27
